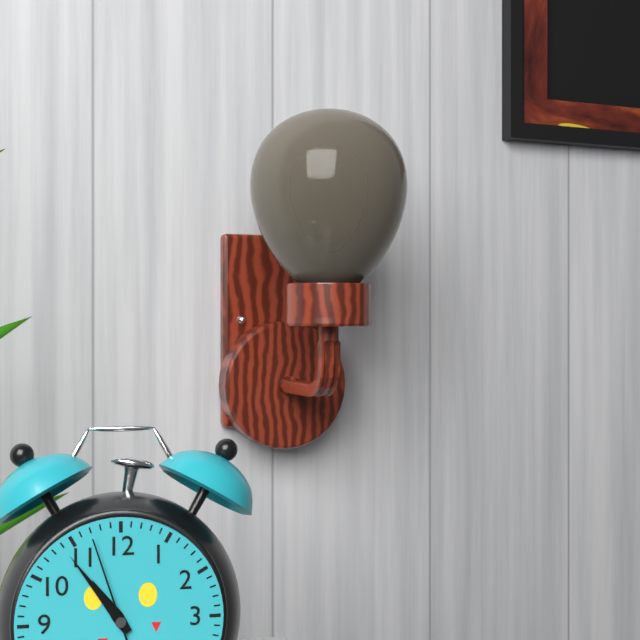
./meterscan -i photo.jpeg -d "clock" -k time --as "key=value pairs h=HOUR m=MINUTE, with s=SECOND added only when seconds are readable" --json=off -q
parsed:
h=10 m=54 s=57
